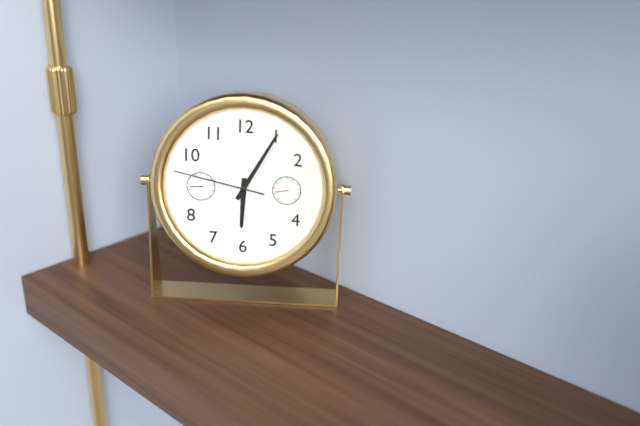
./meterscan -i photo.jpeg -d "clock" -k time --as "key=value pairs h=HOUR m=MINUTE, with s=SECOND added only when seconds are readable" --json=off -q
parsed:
h=6 m=5 s=47
